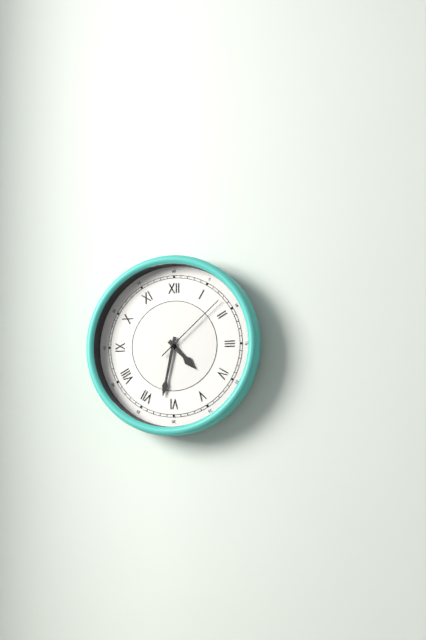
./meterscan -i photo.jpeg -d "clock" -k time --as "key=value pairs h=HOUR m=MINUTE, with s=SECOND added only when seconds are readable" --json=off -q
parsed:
h=4 m=32 s=8
